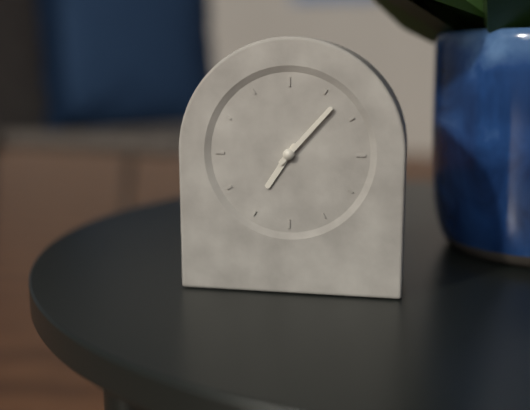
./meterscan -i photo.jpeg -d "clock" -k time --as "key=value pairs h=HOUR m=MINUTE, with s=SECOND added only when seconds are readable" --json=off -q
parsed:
h=7 m=7
